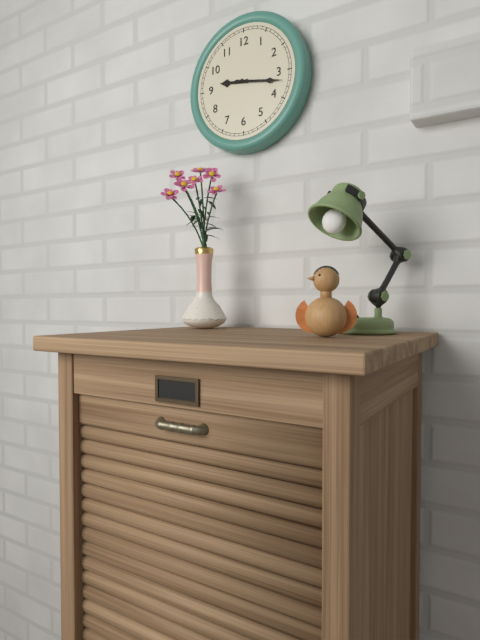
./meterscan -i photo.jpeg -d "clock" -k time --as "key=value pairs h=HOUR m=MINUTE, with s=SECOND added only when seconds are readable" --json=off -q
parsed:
h=9 m=17
